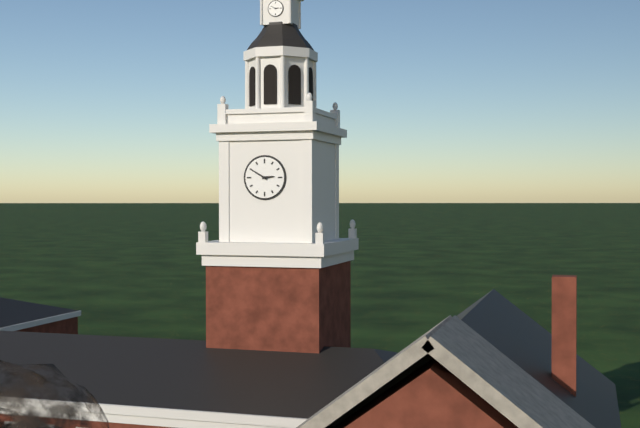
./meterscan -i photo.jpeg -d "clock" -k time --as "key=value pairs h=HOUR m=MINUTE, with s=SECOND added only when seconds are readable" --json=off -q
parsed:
h=2 m=50
